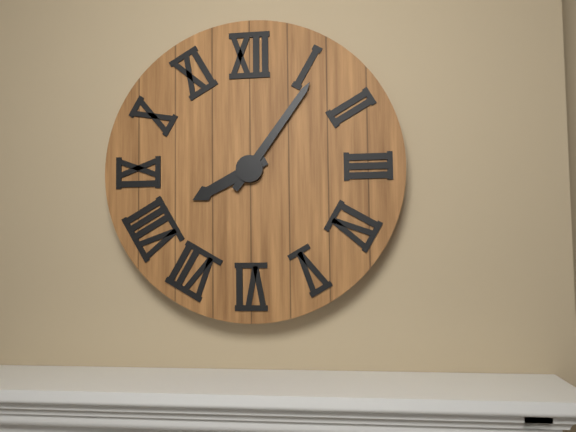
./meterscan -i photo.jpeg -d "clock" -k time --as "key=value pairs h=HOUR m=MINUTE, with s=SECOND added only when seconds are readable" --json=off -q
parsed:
h=8 m=6
